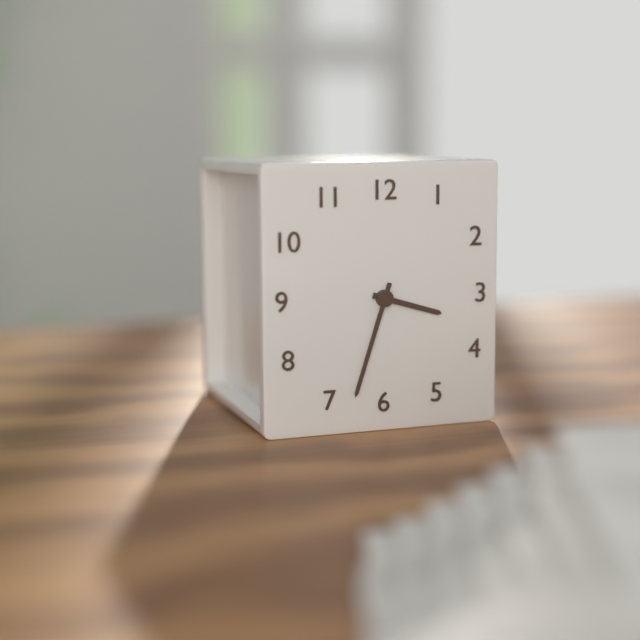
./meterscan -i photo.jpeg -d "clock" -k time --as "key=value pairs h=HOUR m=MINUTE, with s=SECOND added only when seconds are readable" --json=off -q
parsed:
h=3 m=33
